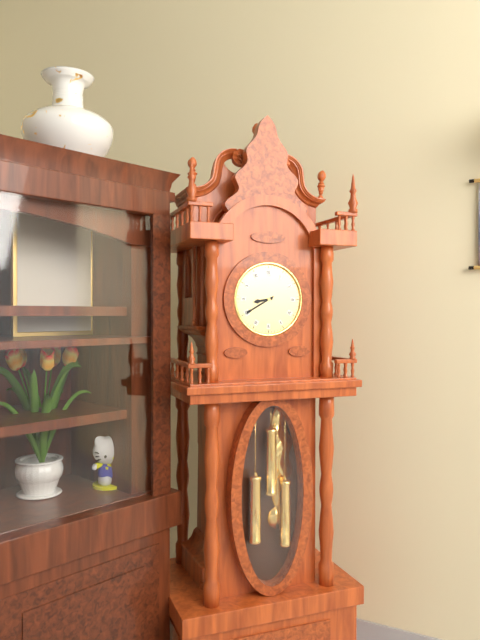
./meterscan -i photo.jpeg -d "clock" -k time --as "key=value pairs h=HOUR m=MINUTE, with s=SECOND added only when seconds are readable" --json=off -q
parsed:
h=8 m=40
